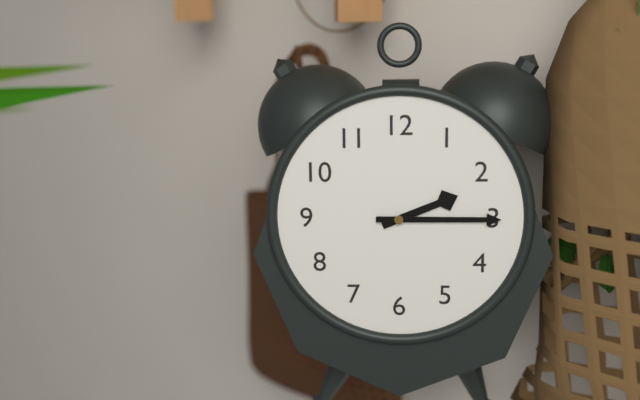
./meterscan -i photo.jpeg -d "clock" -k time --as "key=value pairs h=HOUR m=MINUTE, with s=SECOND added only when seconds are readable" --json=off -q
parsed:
h=2 m=15
